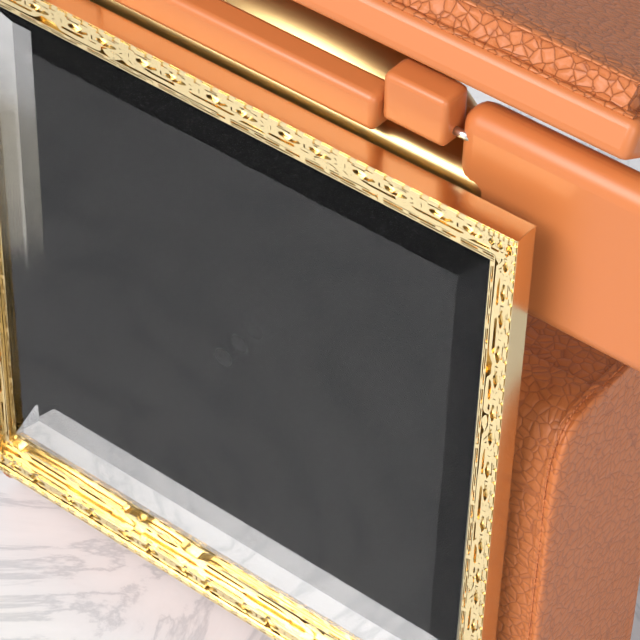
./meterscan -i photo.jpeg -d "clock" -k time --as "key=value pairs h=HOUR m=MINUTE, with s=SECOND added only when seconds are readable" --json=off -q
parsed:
h=5 m=14
